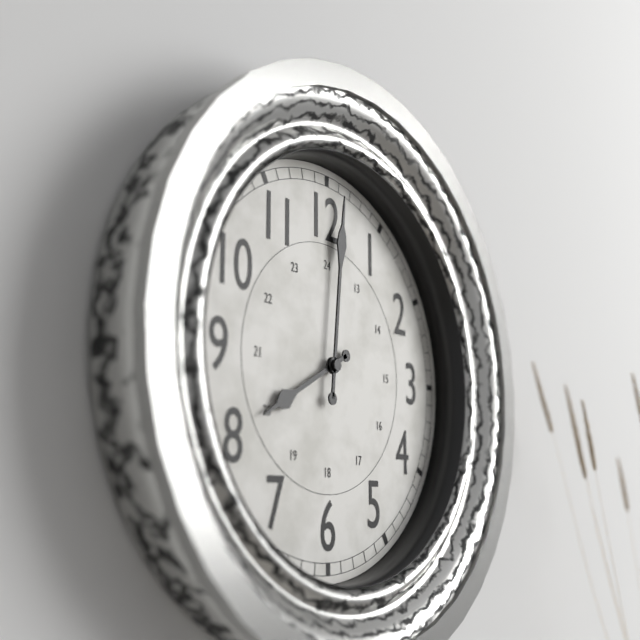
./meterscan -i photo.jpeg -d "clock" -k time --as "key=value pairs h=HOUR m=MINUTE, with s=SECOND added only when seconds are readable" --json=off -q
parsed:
h=8 m=1
